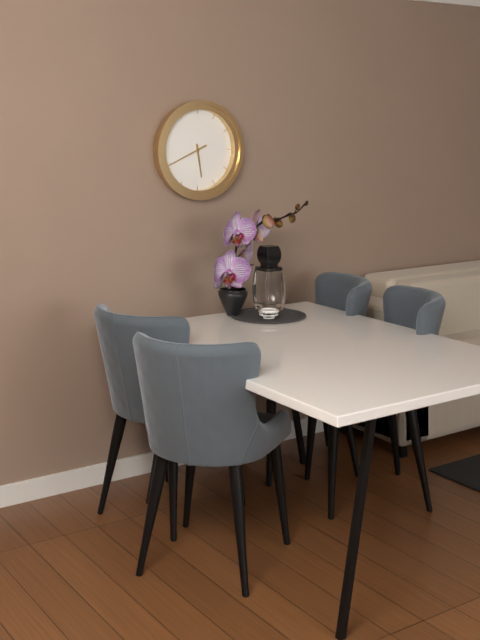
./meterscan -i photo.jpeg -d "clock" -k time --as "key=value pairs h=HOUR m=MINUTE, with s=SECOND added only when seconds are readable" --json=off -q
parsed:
h=5 m=41
